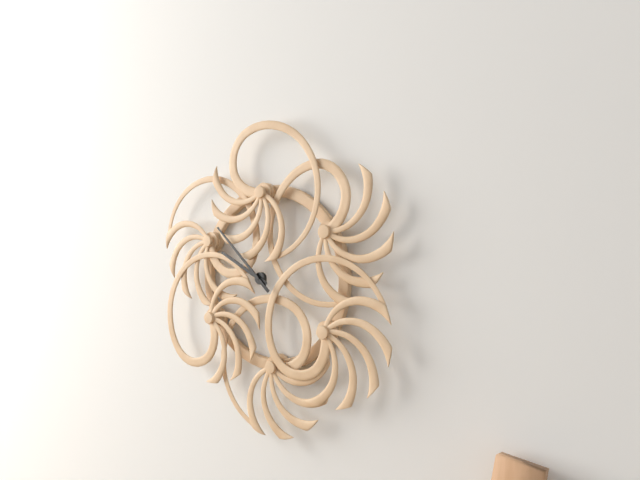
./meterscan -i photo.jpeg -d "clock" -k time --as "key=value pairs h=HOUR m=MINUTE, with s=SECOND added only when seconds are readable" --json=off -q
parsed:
h=9 m=52
